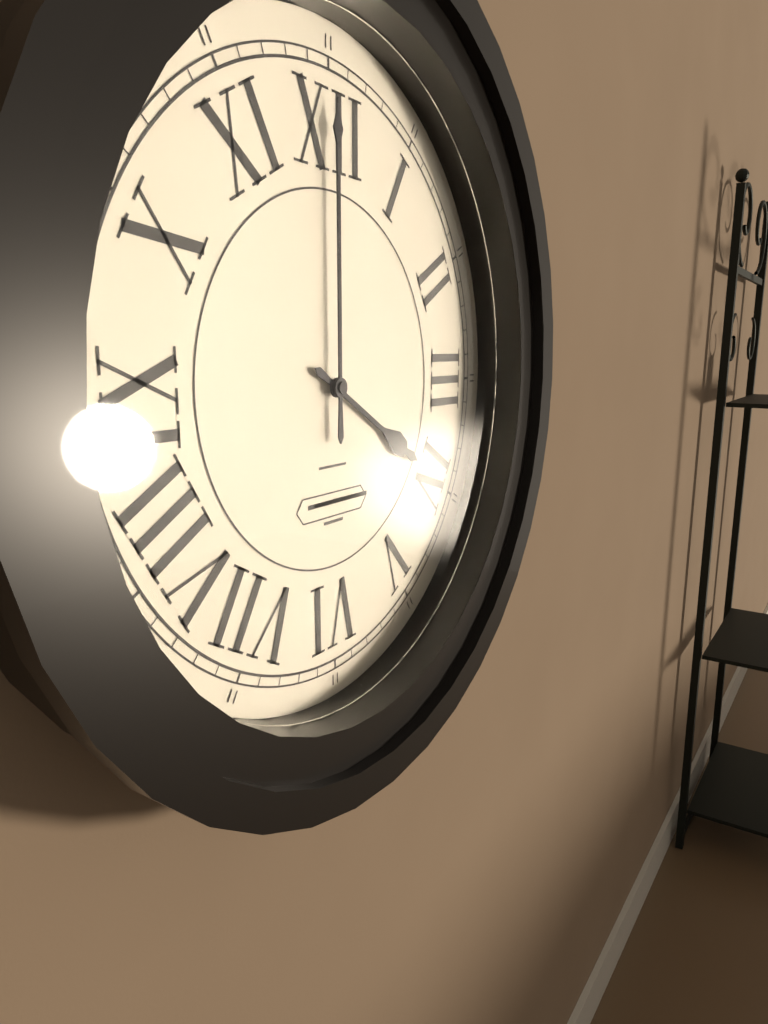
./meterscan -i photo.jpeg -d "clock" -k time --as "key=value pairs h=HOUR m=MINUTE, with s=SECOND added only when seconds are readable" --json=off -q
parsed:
h=4 m=0
